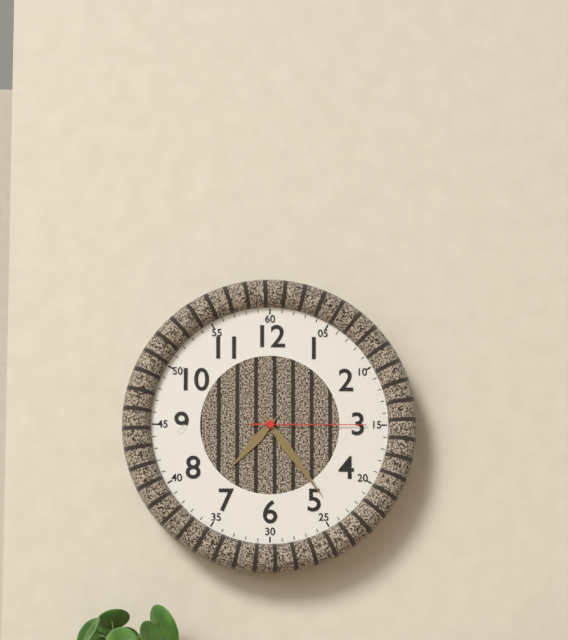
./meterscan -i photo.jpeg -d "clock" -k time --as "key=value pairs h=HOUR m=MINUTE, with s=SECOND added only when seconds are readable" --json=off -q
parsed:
h=7 m=24 s=15
